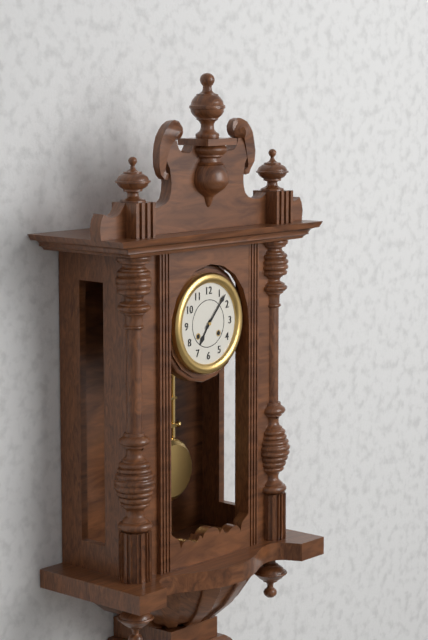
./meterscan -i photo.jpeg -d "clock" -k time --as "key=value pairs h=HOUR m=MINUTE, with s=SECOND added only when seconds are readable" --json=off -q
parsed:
h=7 m=7
